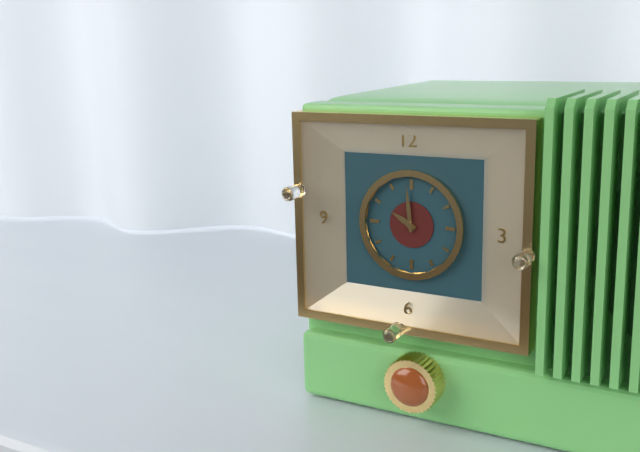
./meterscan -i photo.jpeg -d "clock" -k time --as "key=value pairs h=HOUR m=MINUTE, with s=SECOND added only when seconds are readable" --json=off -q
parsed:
h=9 m=59
